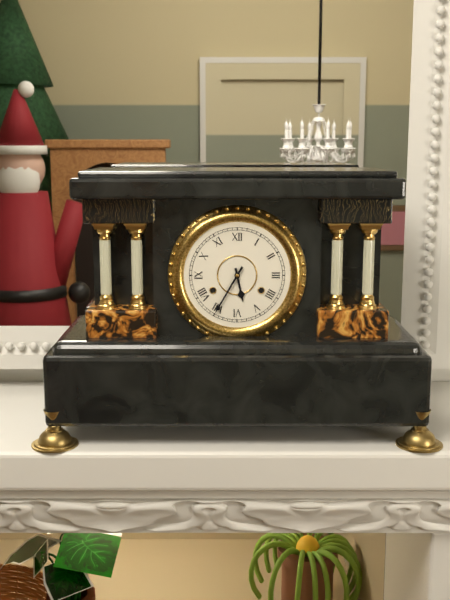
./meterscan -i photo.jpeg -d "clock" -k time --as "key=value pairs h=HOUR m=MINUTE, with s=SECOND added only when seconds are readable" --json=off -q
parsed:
h=5 m=35
